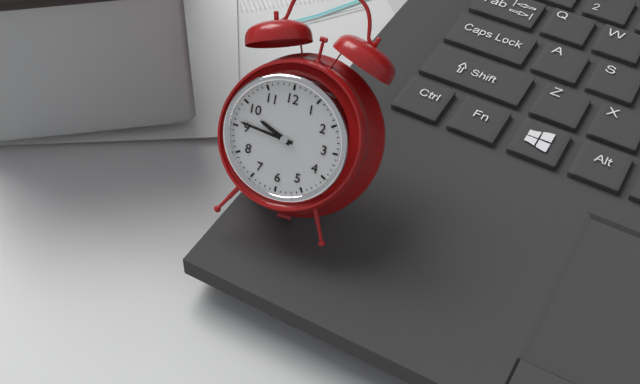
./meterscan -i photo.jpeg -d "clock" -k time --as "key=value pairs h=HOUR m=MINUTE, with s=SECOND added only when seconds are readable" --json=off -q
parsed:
h=9 m=46
